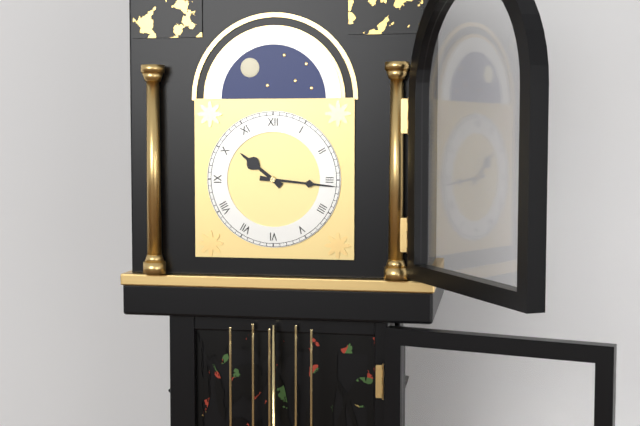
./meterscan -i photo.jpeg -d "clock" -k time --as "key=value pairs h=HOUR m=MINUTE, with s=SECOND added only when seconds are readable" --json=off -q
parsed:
h=10 m=16
